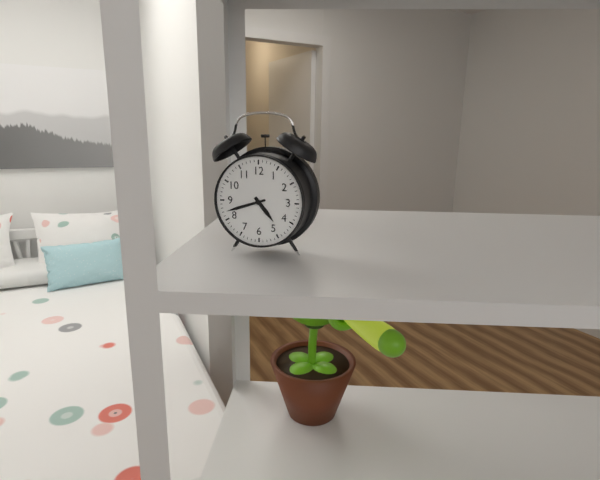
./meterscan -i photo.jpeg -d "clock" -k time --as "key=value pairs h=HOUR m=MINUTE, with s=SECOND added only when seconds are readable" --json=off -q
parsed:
h=4 m=42
